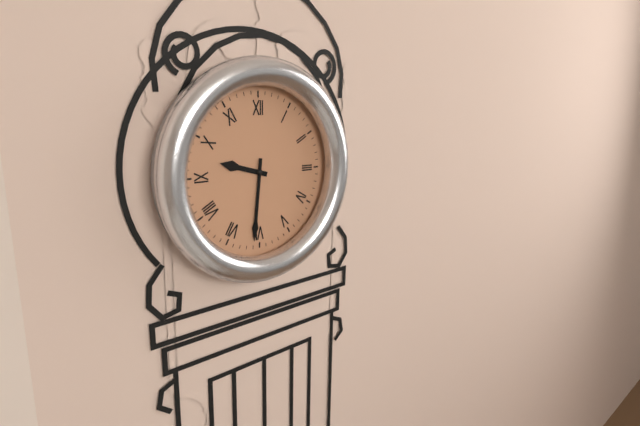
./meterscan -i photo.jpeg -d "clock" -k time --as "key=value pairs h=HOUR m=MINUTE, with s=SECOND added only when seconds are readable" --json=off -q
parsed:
h=9 m=31
